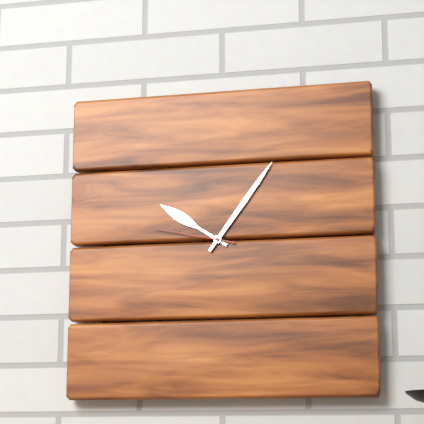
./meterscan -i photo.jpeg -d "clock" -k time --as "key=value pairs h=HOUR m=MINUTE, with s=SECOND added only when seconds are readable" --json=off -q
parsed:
h=10 m=6 s=47
